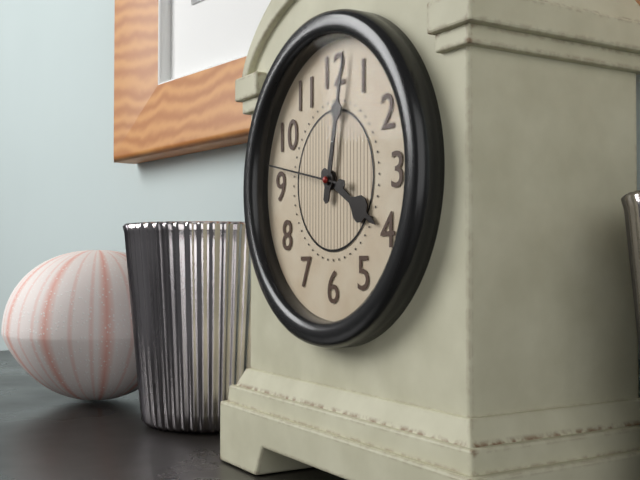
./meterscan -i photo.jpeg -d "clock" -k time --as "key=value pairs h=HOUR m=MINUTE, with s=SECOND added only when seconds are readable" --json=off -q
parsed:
h=4 m=2 s=47
